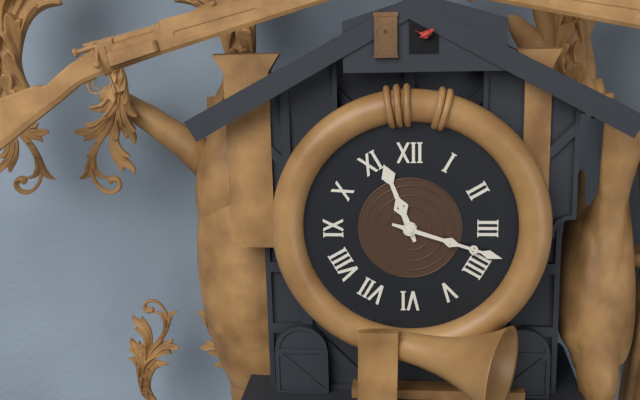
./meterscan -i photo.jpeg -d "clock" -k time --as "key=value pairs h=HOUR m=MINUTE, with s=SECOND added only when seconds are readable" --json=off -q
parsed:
h=11 m=18
